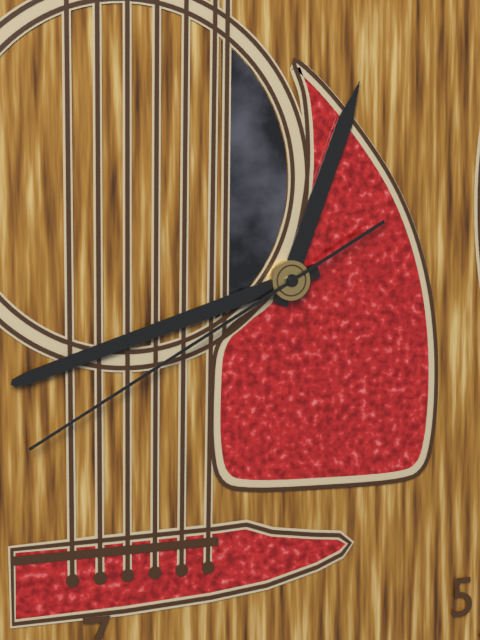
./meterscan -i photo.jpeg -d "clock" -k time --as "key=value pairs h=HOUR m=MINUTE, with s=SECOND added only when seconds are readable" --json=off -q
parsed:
h=12 m=42 s=40
